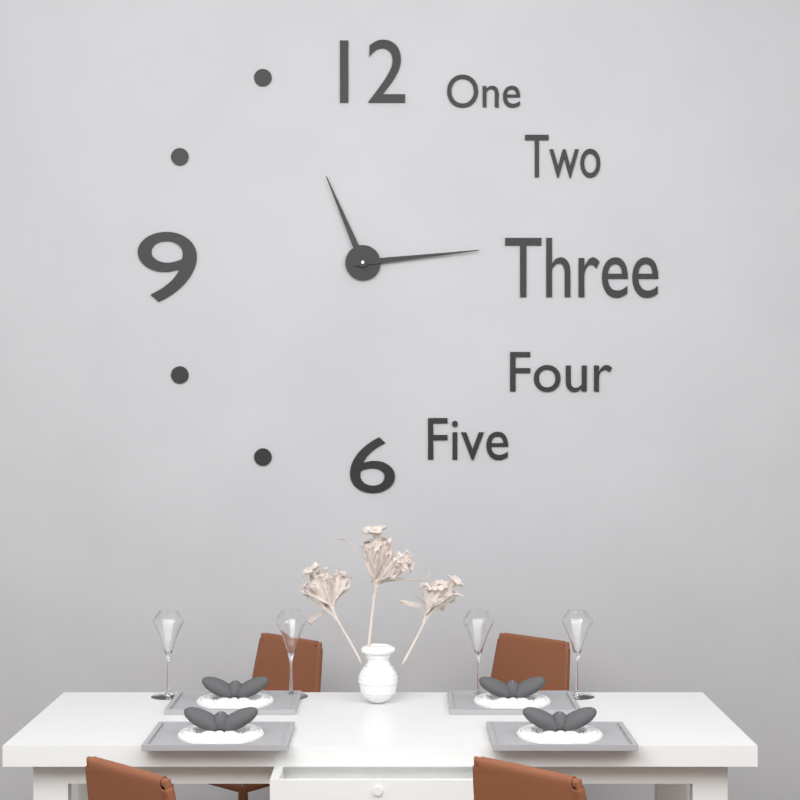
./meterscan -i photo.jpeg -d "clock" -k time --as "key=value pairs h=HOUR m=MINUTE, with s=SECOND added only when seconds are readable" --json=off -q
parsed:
h=11 m=14
